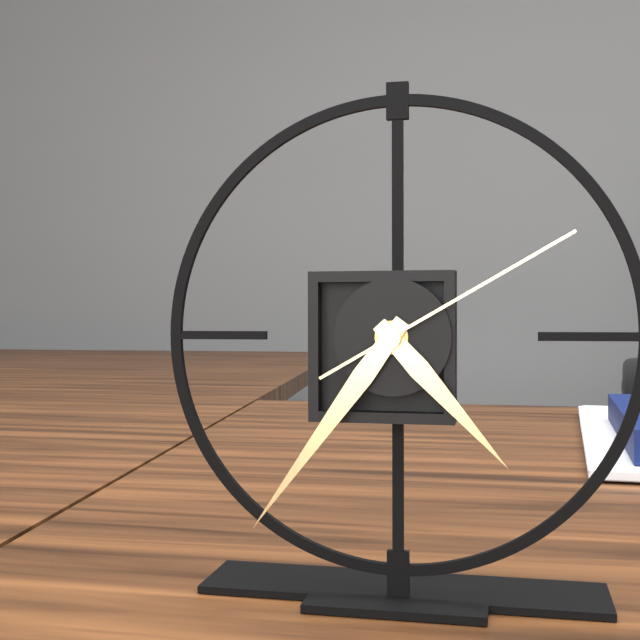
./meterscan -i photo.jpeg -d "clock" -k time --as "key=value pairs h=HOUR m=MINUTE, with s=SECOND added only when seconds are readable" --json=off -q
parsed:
h=4 m=36 s=10
